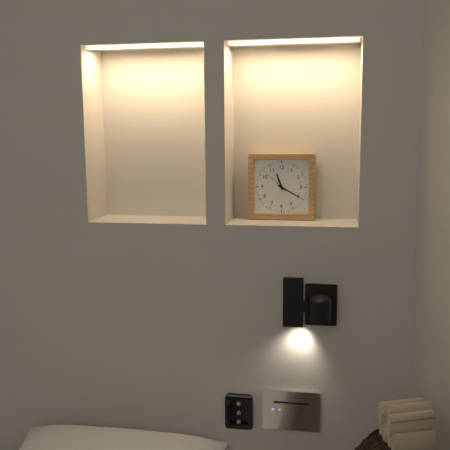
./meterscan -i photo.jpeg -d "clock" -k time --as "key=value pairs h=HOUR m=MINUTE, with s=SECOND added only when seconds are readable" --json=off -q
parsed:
h=11 m=20
